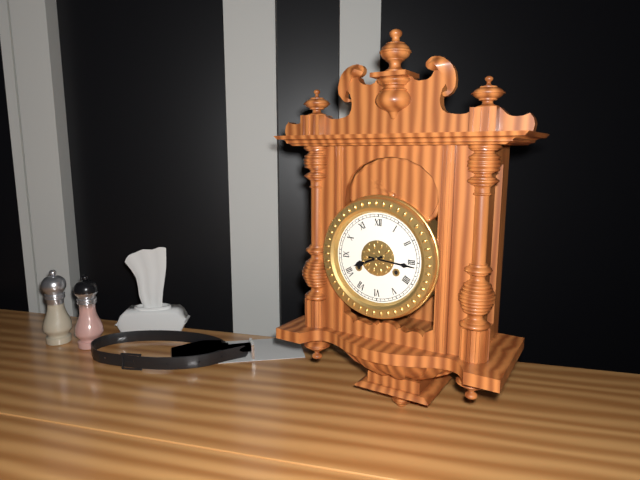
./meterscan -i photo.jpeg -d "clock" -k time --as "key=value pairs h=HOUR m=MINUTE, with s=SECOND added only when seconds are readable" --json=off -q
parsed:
h=8 m=16
